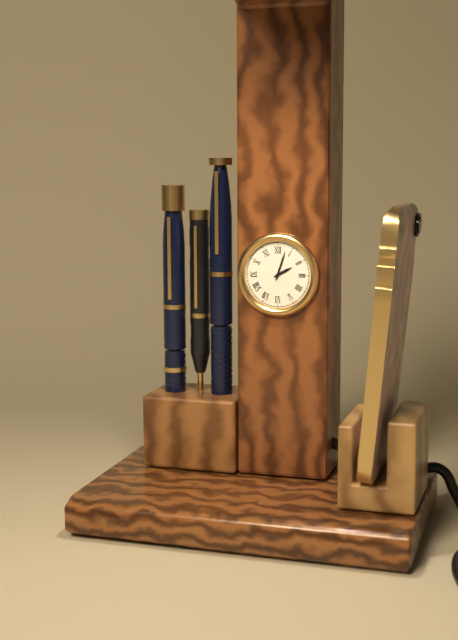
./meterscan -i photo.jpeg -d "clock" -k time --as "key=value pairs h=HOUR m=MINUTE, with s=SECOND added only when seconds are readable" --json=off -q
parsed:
h=2 m=3
